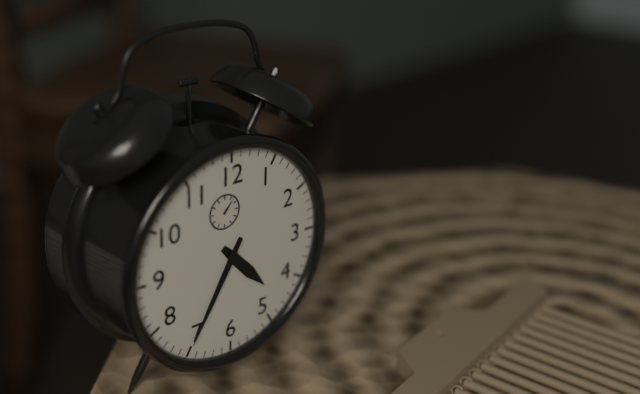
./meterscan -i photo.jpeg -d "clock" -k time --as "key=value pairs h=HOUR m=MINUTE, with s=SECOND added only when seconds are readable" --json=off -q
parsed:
h=4 m=35
